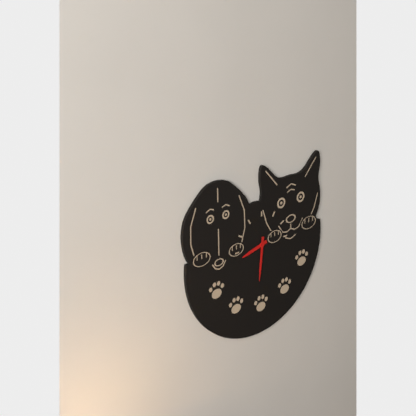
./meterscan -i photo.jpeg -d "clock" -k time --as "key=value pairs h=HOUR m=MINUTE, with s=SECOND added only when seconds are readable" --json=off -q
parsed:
h=8 m=31
